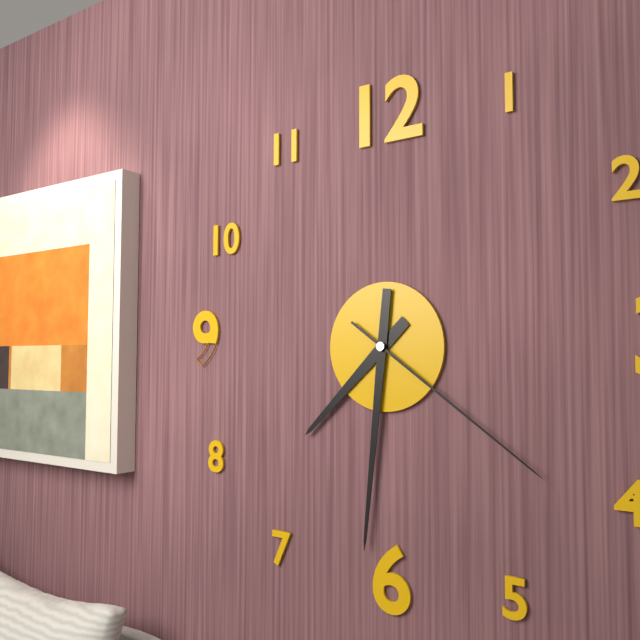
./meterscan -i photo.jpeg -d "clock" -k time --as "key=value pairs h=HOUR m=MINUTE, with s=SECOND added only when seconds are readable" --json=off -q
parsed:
h=7 m=31 s=21
